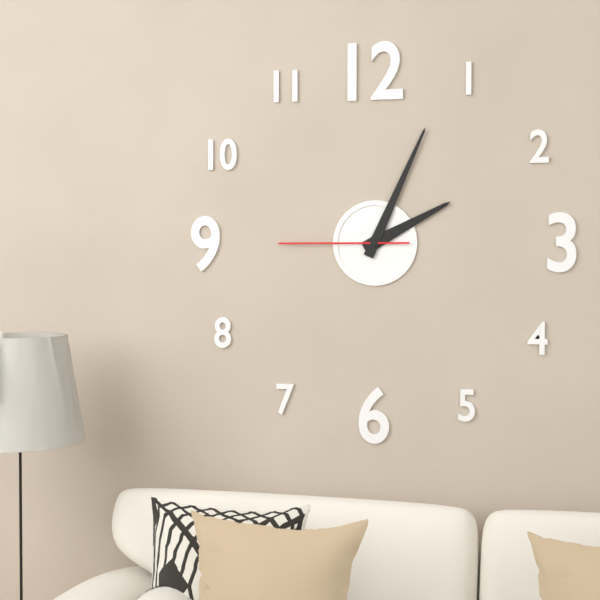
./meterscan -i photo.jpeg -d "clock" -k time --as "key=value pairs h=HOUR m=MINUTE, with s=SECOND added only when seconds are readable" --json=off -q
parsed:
h=2 m=4 s=45
